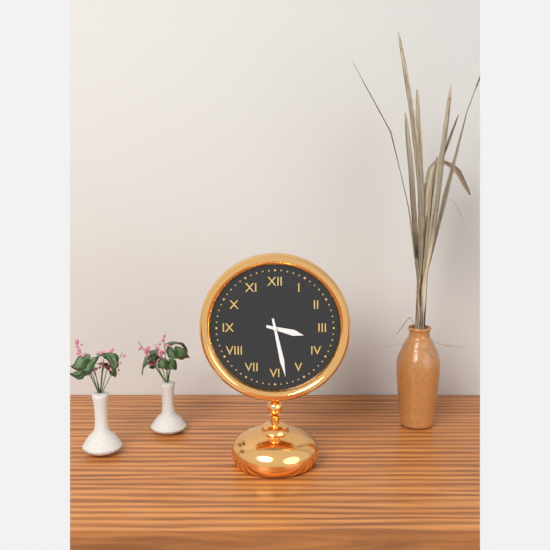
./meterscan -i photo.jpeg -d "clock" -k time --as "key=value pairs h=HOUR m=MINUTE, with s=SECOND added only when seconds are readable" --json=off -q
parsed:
h=3 m=28
